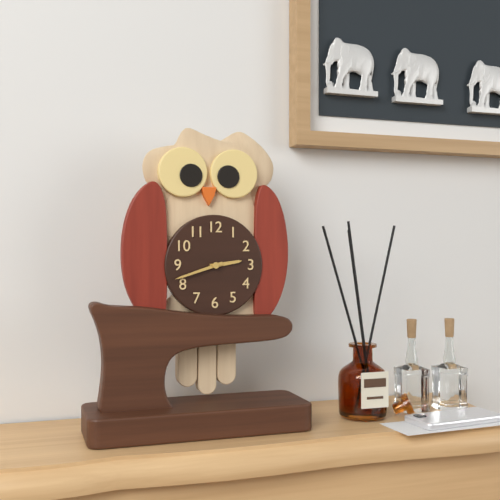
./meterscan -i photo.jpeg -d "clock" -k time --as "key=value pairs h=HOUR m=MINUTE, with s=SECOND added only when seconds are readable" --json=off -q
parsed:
h=2 m=42
